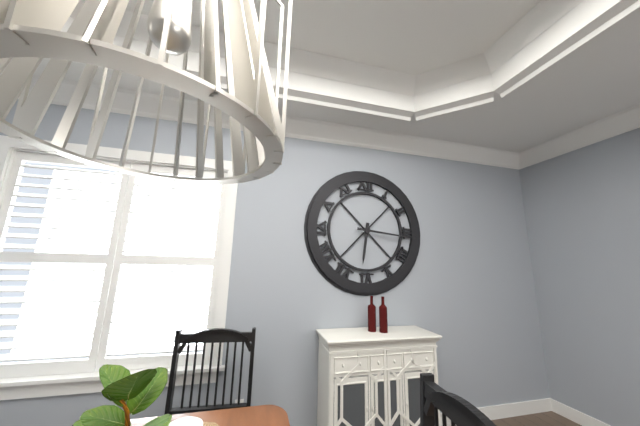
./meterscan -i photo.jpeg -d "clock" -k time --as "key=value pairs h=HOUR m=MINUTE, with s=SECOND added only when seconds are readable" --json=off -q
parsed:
h=6 m=16
